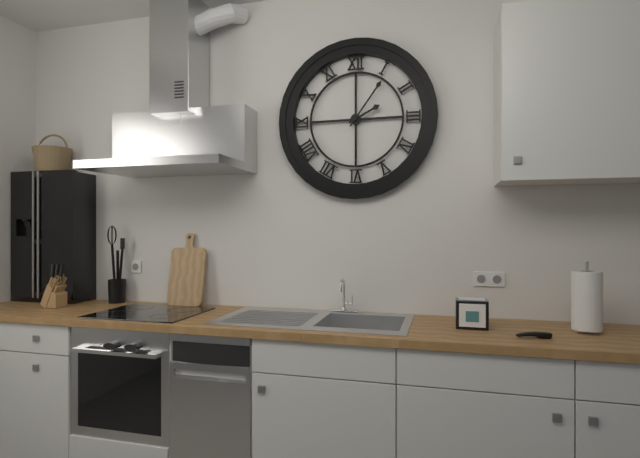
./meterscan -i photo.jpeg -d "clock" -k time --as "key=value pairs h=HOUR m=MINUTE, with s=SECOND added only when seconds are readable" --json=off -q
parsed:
h=2 m=6
